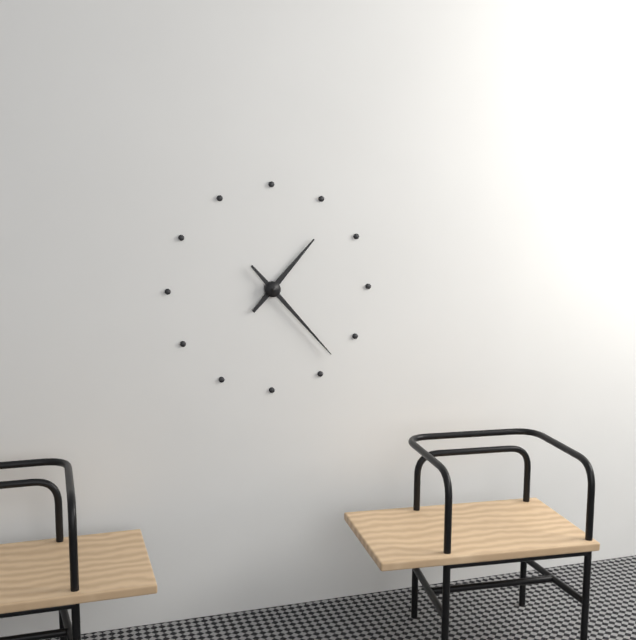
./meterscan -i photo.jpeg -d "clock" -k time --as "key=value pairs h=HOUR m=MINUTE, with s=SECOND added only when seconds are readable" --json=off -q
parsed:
h=1 m=23
